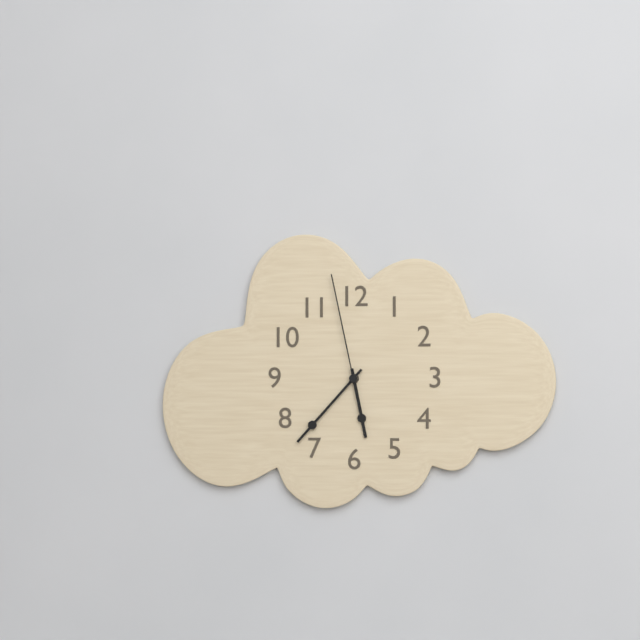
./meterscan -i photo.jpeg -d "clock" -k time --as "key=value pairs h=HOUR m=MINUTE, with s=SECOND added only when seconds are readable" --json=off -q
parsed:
h=5 m=37 s=58
